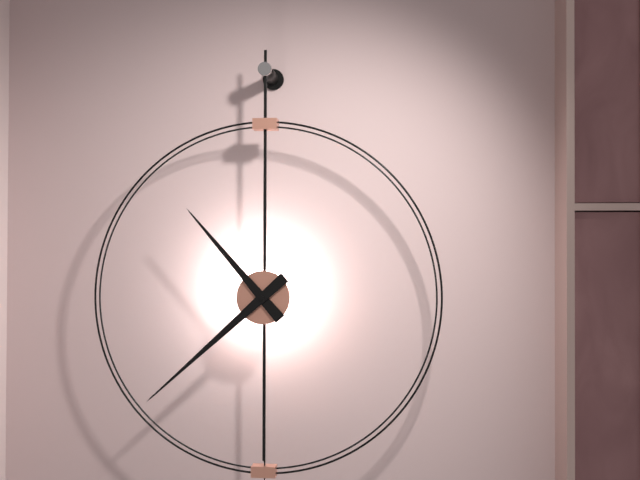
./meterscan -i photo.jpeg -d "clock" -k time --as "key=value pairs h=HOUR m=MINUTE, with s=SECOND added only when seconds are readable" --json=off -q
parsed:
h=10 m=38
